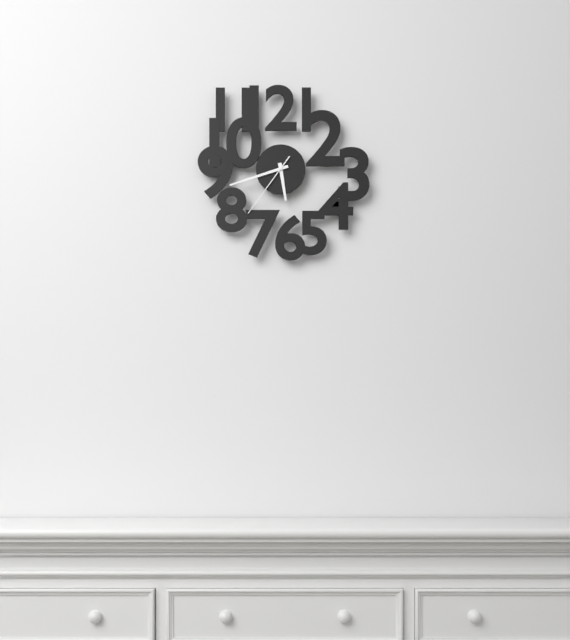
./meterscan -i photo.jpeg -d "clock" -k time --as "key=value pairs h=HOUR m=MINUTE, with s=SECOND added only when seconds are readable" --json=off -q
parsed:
h=5 m=42 s=36
